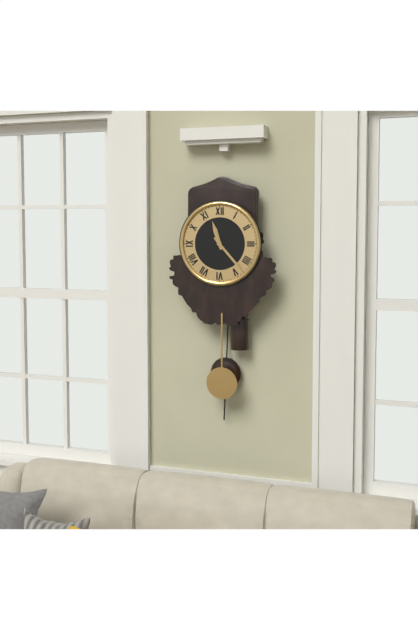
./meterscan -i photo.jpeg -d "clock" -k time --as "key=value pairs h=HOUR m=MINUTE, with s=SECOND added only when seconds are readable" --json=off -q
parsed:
h=11 m=23
